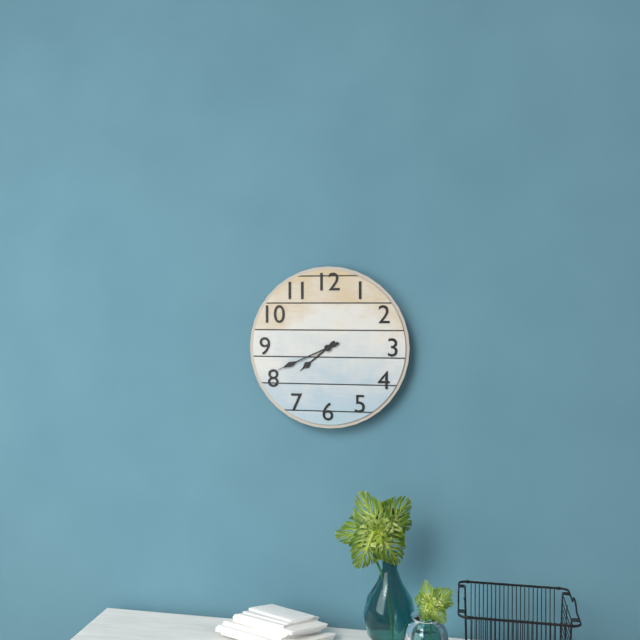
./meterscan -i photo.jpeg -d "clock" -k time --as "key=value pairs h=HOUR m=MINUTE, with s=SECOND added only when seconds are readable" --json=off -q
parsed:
h=7 m=41
